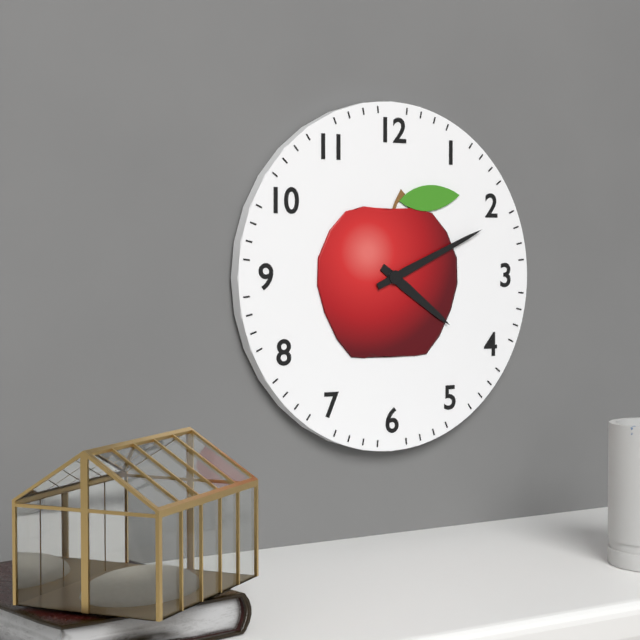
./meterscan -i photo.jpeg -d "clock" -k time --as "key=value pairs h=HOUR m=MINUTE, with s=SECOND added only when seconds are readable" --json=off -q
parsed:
h=4 m=11
